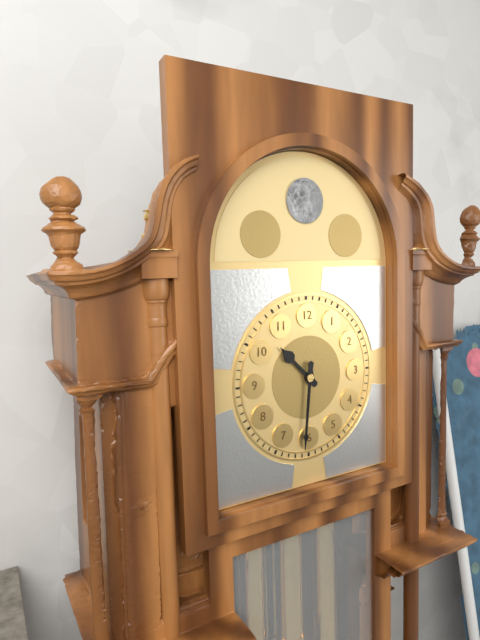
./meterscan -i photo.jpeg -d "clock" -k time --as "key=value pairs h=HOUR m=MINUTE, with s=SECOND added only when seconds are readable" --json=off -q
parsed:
h=10 m=31
